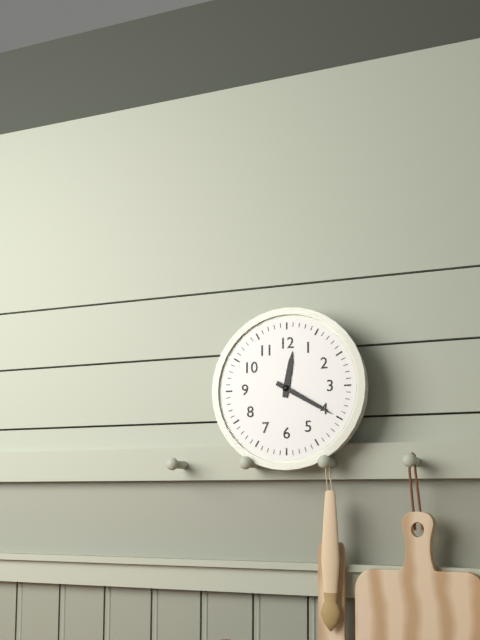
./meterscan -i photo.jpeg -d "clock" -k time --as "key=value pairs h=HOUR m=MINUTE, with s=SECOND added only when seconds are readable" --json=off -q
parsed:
h=12 m=20
